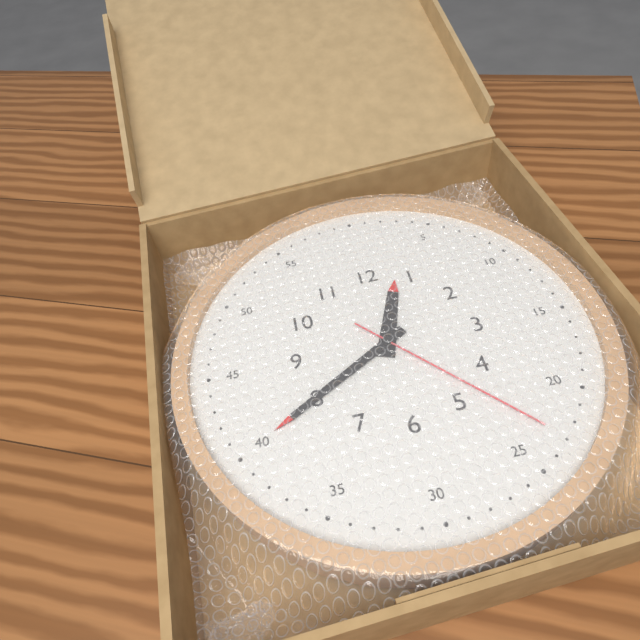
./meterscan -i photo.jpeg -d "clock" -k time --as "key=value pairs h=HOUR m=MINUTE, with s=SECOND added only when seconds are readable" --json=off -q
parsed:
h=12 m=40 s=23
